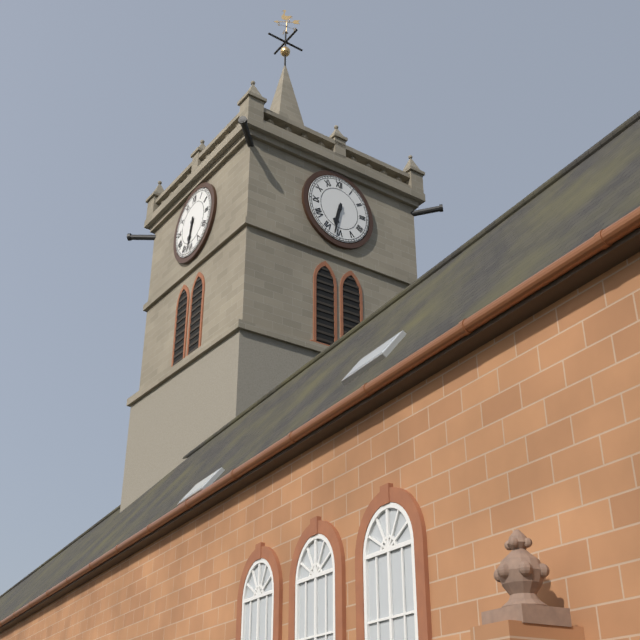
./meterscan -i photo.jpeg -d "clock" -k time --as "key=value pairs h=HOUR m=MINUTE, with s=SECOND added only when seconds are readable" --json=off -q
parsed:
h=6 m=32
